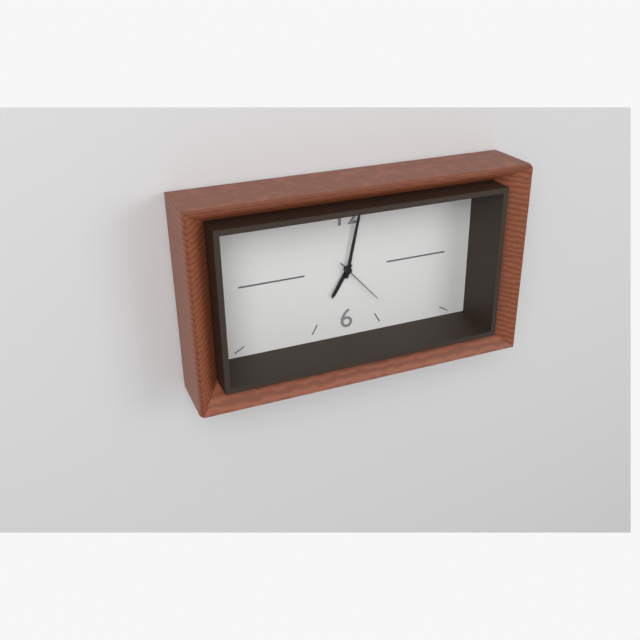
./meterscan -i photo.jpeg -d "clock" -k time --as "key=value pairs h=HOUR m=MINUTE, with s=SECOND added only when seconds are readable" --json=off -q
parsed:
h=7 m=2 s=23
